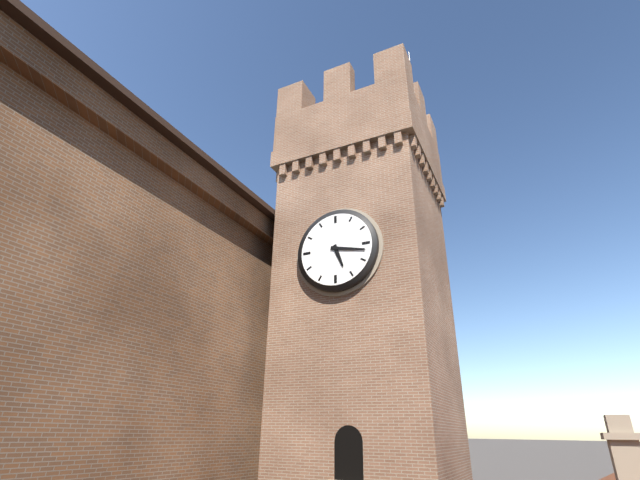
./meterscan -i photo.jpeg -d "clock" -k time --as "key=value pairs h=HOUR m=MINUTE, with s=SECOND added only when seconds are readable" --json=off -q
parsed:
h=5 m=17
